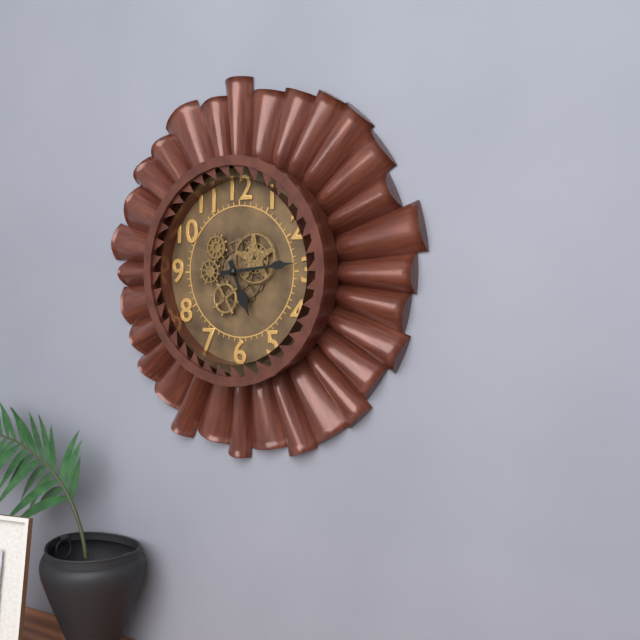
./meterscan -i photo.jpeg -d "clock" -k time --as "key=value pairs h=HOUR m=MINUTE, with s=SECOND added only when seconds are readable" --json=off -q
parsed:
h=5 m=14
